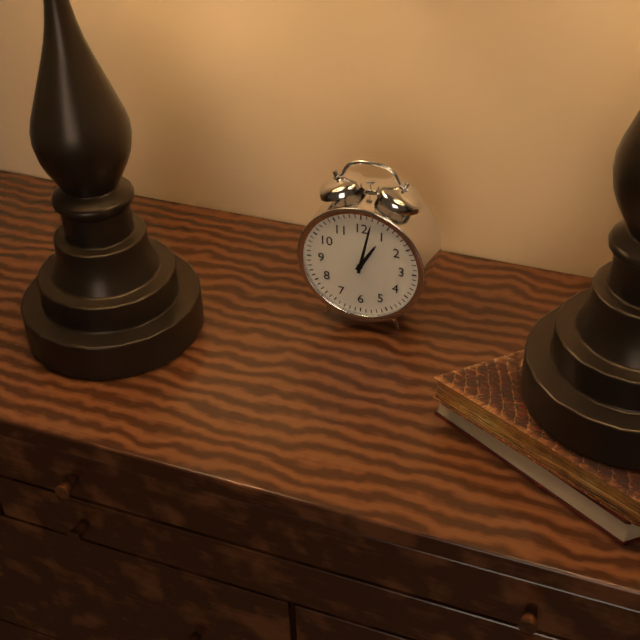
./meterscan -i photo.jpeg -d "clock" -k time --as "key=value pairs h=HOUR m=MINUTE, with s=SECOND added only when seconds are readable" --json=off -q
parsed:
h=1 m=2
